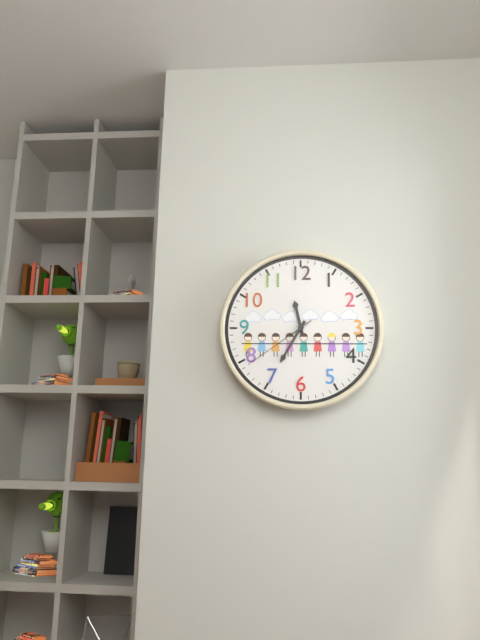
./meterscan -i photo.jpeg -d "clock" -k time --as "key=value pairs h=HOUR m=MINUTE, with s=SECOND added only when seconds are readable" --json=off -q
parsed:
h=11 m=35 s=39
